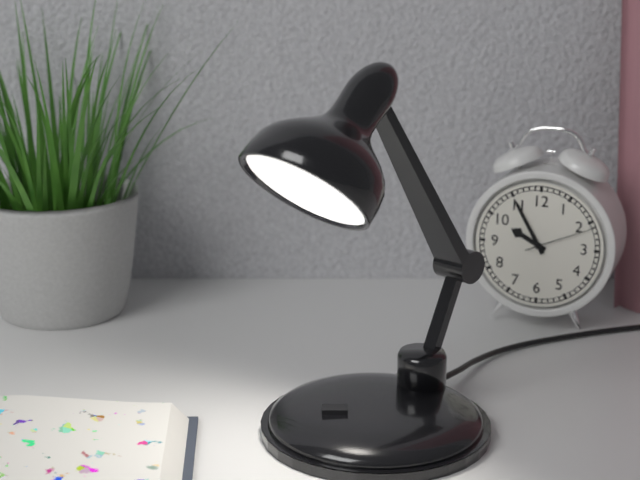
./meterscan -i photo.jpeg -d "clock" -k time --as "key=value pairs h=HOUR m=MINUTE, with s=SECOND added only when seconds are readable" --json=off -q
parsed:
h=9 m=55 s=11
